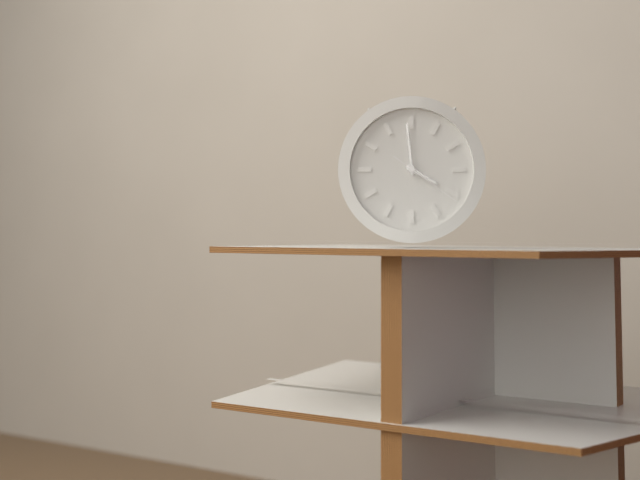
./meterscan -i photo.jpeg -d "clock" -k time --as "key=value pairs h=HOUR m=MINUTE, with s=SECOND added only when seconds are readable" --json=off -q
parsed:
h=3 m=59 s=21
